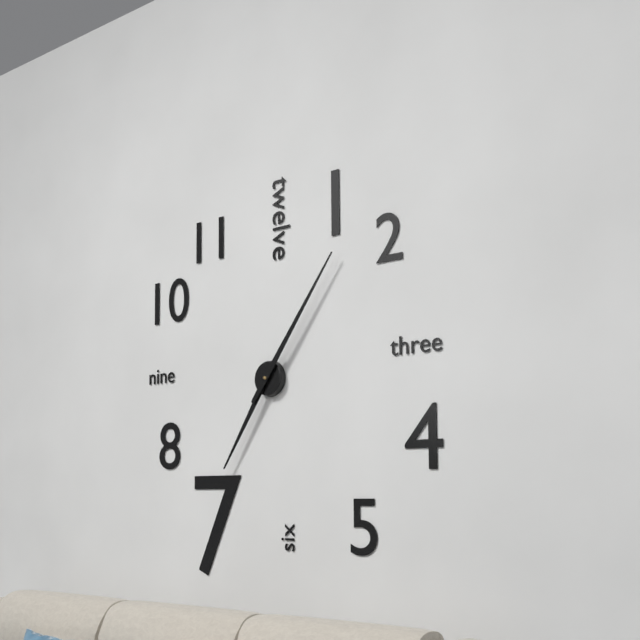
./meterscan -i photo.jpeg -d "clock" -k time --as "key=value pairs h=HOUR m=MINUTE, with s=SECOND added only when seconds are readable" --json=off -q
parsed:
h=7 m=6
